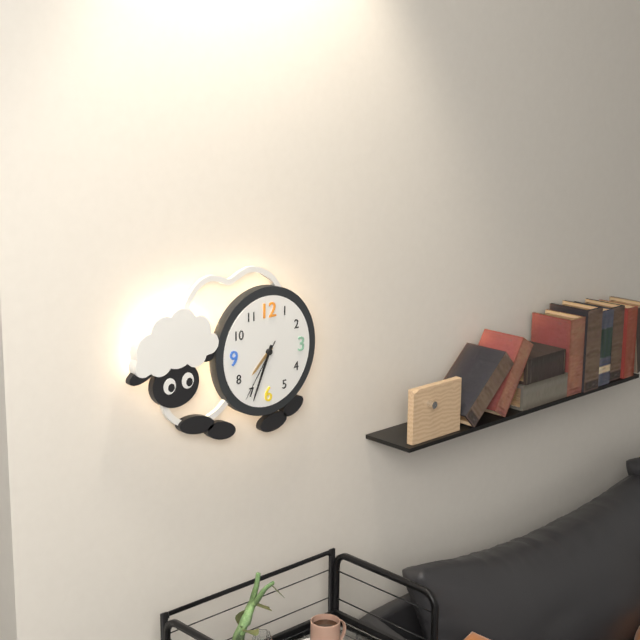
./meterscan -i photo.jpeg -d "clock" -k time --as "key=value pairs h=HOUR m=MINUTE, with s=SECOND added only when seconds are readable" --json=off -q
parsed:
h=7 m=34 s=36
